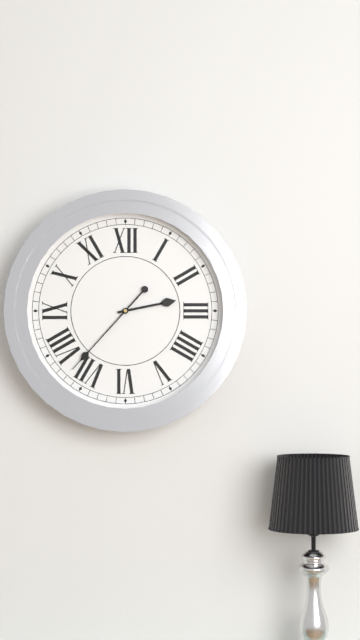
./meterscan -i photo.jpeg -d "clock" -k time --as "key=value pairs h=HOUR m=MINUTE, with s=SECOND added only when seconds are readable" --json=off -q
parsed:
h=2 m=37
